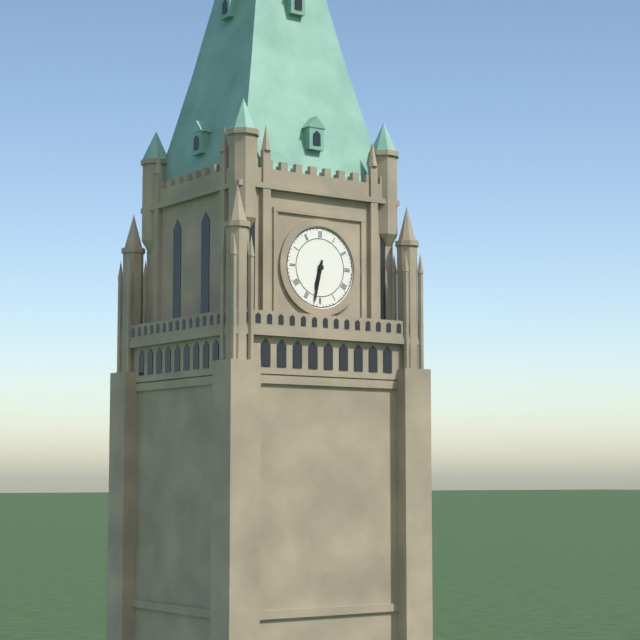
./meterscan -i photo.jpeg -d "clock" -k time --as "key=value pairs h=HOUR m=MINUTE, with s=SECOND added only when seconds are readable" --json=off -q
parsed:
h=6 m=32
